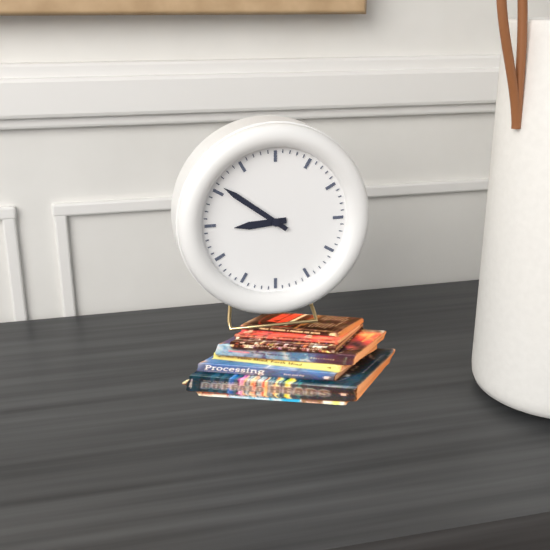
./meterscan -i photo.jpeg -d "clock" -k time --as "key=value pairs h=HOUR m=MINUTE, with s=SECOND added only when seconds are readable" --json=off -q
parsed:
h=8 m=51
